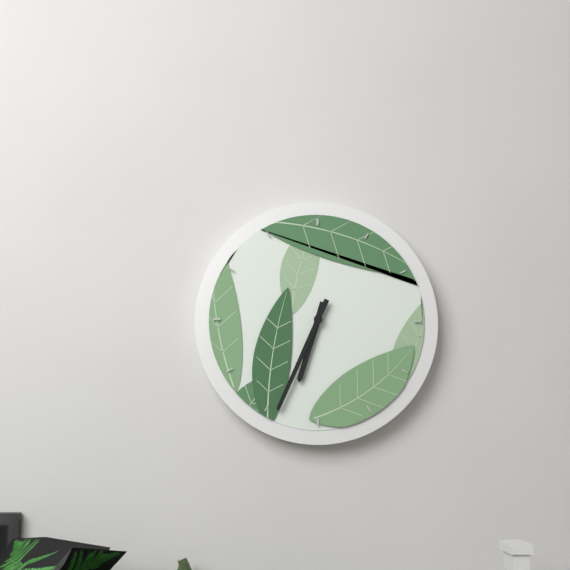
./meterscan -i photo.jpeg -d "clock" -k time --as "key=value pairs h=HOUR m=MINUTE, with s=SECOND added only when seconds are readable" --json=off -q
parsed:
h=6 m=34
